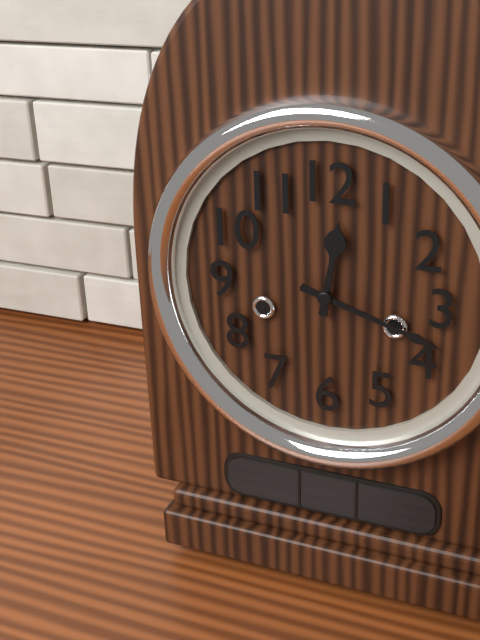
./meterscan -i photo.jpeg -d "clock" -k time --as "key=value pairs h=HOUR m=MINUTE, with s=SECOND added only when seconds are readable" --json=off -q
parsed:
h=12 m=18
